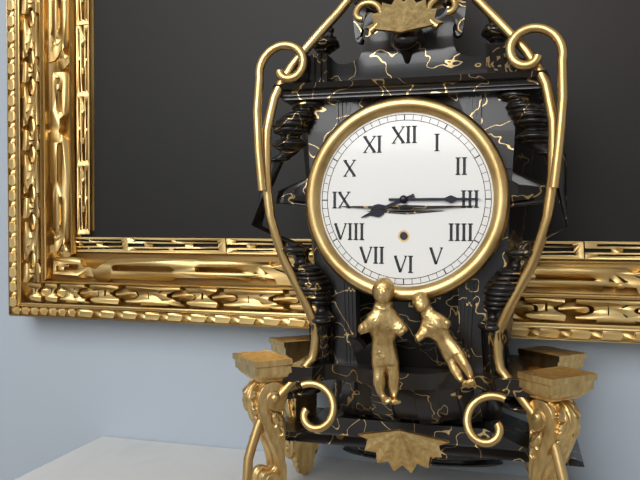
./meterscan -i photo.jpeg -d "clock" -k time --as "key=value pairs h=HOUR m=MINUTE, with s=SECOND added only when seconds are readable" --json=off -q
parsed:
h=8 m=15
